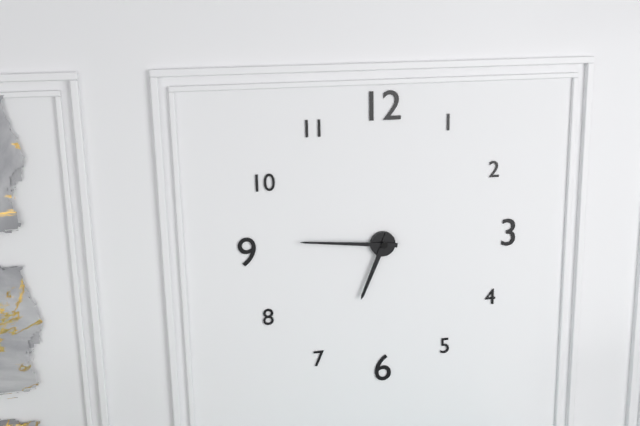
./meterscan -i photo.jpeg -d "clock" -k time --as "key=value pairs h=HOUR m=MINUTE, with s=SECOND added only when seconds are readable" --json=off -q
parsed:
h=6 m=46
